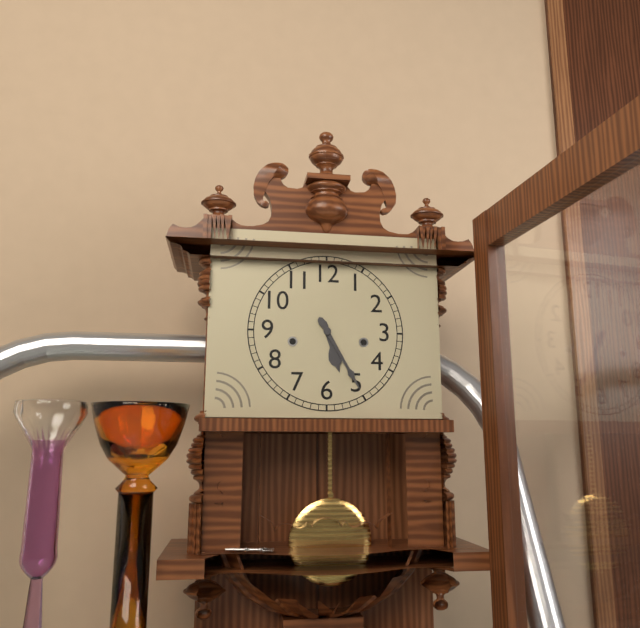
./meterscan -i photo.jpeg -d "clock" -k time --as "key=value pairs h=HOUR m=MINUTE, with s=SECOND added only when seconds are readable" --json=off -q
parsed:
h=5 m=25
